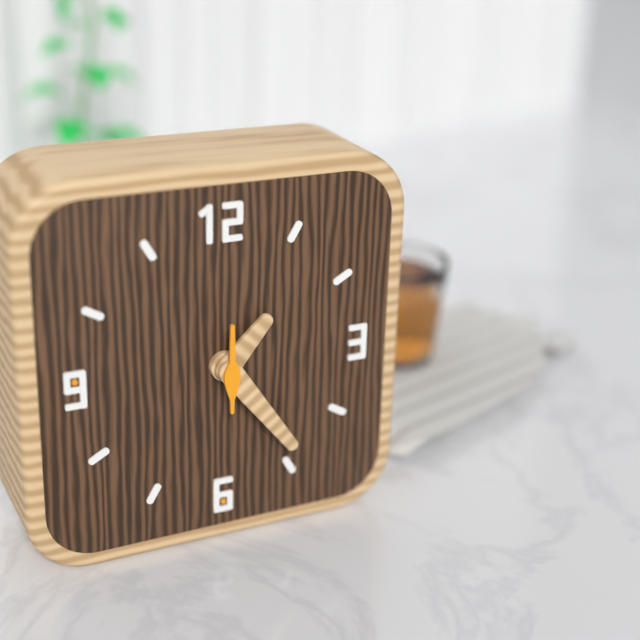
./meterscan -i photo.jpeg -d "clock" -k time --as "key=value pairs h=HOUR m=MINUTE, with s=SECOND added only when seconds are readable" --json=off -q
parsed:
h=1 m=24 s=0
